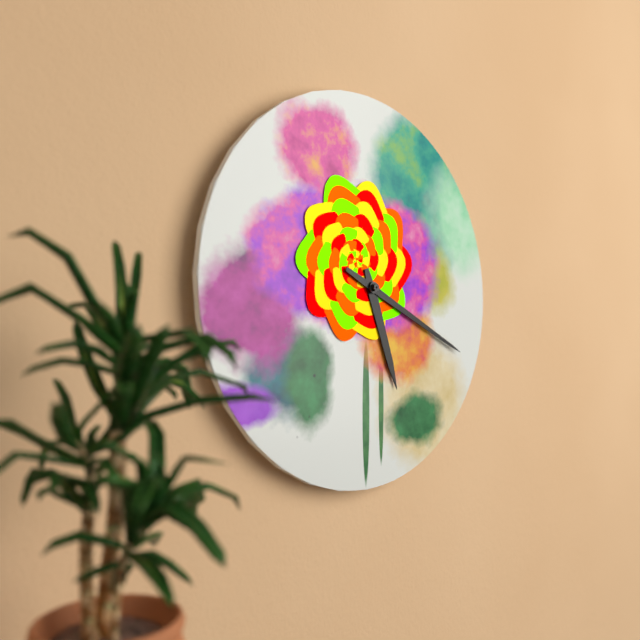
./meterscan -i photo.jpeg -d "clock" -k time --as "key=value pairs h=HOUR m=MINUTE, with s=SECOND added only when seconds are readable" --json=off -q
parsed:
h=5 m=19
